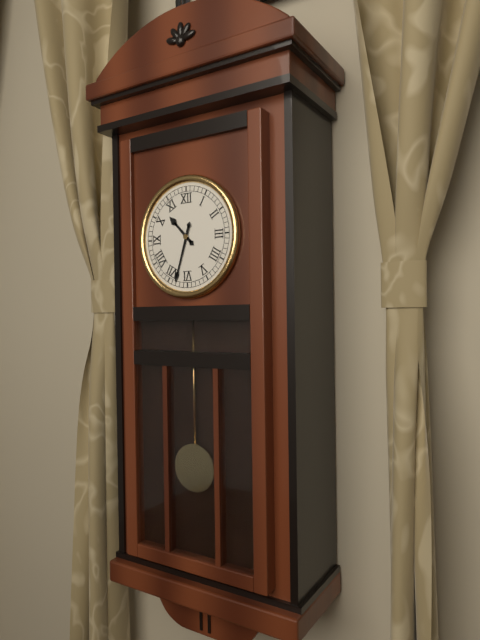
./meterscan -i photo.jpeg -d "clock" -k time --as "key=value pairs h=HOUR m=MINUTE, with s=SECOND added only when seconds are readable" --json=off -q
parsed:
h=10 m=33
